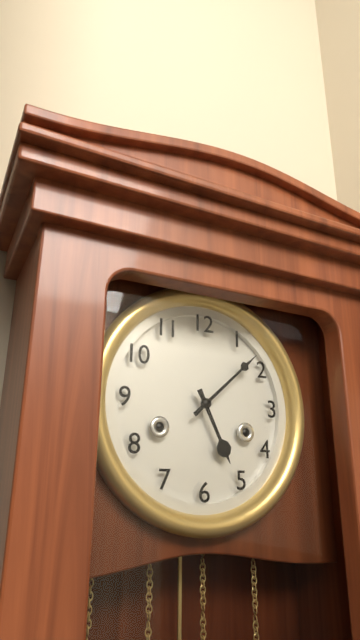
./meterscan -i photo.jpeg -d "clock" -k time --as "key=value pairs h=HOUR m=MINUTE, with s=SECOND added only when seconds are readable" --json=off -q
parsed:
h=5 m=8
